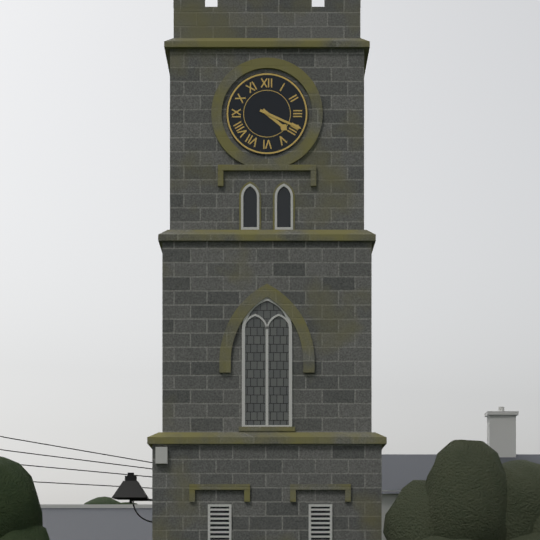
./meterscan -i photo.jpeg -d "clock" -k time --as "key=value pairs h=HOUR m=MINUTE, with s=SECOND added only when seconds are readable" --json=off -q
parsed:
h=4 m=19
